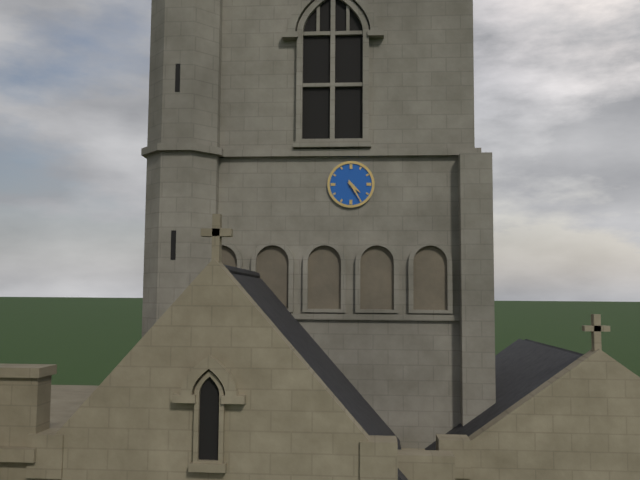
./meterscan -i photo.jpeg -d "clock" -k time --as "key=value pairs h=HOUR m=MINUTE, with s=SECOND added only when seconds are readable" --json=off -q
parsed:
h=4 m=25
